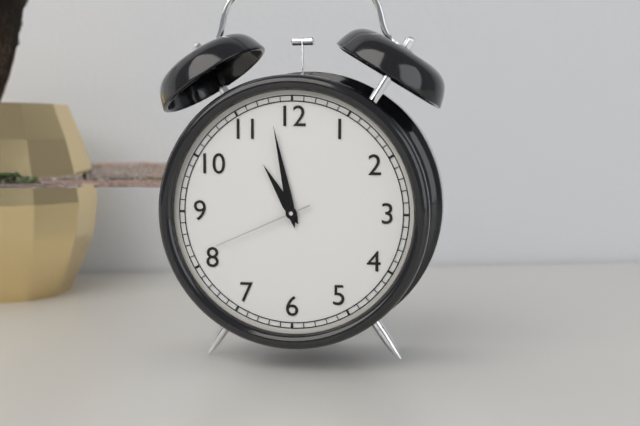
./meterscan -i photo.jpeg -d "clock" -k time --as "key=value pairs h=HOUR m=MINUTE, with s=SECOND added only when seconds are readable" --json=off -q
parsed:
h=10 m=58 s=41
